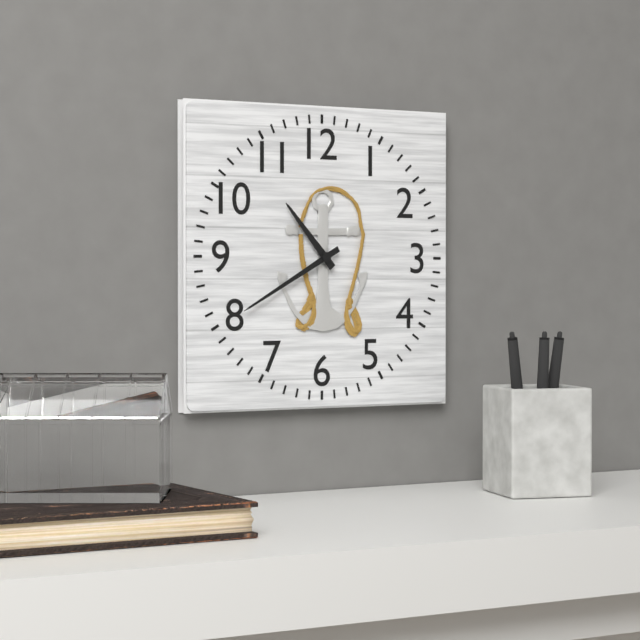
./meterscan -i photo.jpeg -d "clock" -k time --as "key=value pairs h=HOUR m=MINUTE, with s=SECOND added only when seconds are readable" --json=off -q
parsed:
h=10 m=40
